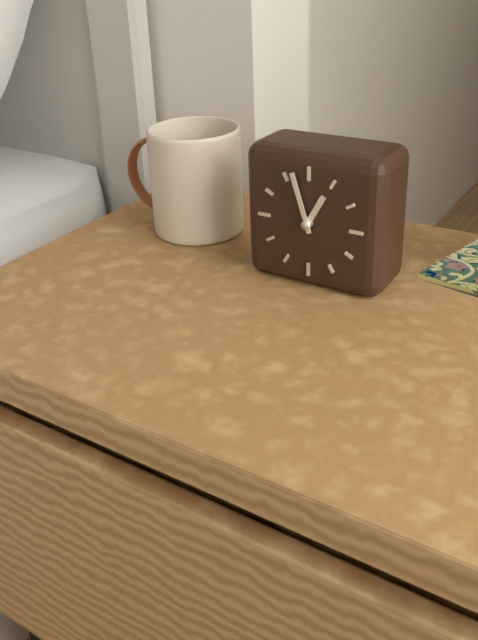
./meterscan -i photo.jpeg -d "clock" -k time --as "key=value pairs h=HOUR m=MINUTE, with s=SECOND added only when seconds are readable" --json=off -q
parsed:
h=12 m=57
